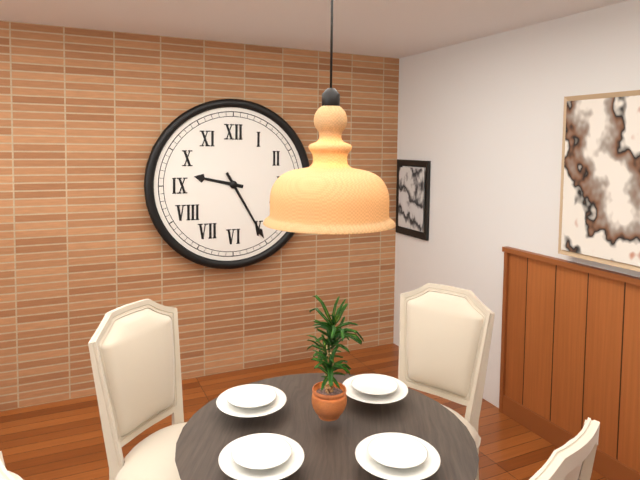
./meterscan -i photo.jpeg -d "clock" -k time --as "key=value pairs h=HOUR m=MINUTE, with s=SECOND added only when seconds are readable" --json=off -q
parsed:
h=9 m=25
